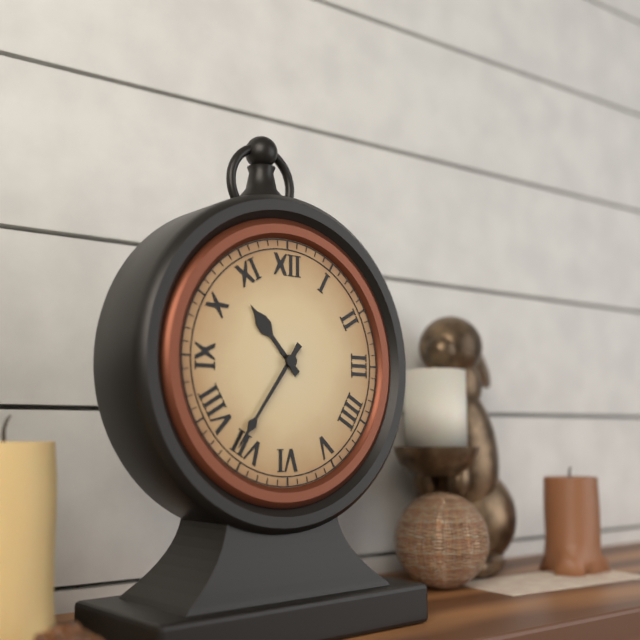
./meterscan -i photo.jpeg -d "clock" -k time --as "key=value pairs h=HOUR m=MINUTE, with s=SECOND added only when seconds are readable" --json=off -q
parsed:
h=10 m=36
